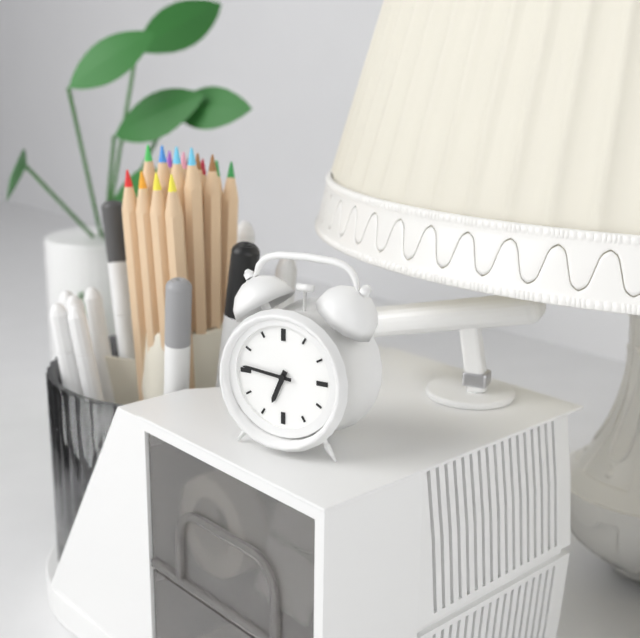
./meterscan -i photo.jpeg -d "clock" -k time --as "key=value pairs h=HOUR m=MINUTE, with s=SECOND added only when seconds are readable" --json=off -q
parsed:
h=6 m=46
